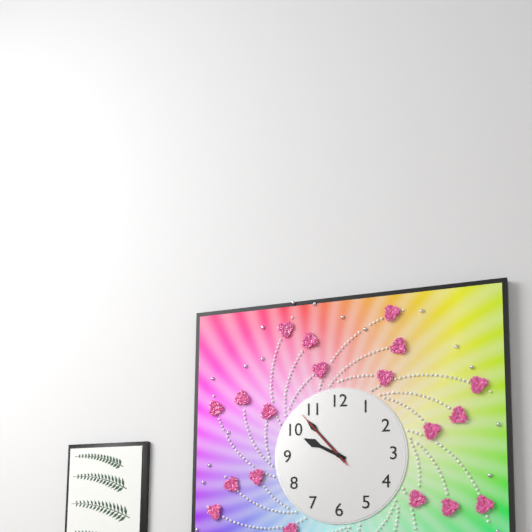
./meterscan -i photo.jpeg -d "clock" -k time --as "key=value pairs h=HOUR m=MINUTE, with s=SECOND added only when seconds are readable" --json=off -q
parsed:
h=9 m=53 s=53
